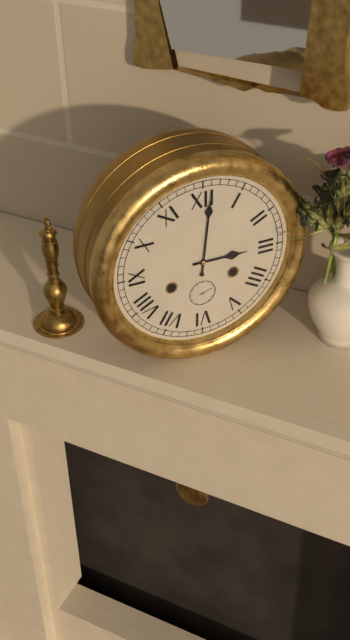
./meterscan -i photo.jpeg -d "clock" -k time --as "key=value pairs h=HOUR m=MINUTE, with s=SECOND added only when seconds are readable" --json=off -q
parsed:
h=3 m=1
